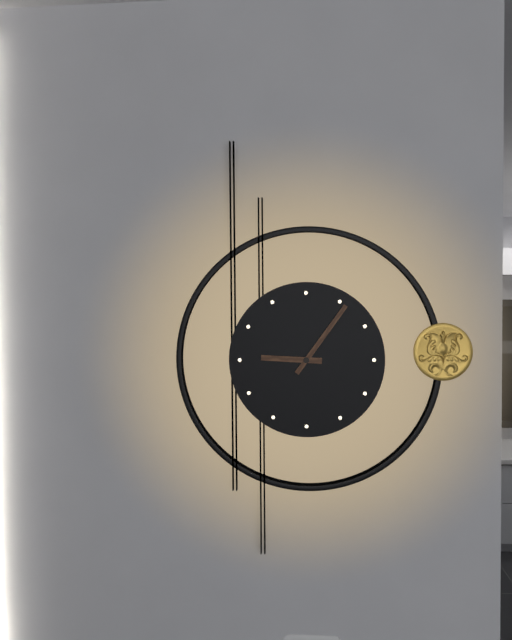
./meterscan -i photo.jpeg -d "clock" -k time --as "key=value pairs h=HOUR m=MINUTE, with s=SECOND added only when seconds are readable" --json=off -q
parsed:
h=9 m=6
